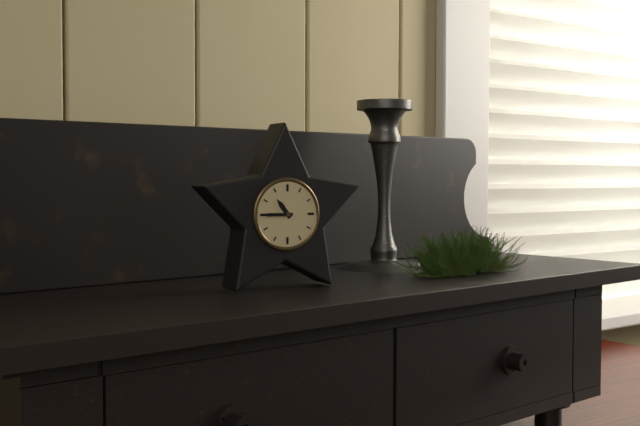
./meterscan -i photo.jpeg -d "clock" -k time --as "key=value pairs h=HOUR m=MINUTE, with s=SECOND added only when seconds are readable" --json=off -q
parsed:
h=10 m=45
